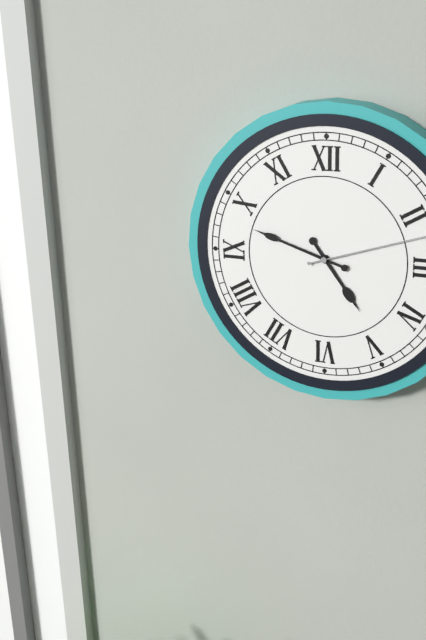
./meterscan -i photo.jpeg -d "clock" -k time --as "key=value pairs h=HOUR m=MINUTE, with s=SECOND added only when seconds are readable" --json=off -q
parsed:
h=4 m=48
